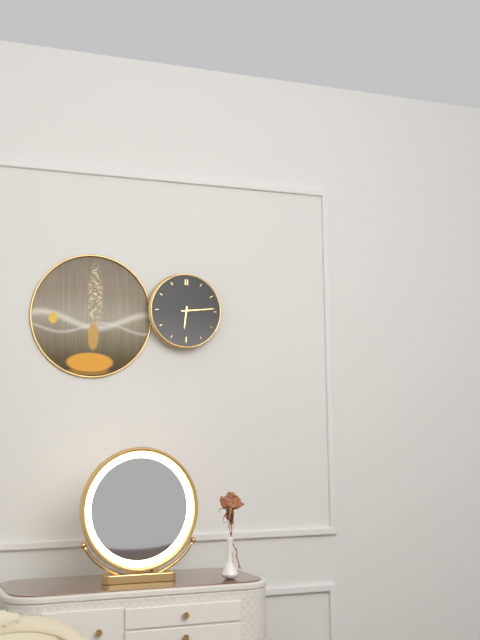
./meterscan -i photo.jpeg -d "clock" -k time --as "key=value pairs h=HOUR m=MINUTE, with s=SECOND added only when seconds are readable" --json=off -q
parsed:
h=6 m=14
